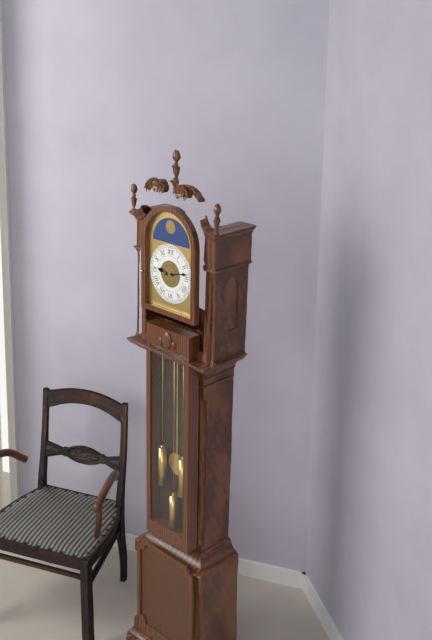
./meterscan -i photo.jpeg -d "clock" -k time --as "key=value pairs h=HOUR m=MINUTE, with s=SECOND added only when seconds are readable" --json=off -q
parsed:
h=9 m=13
